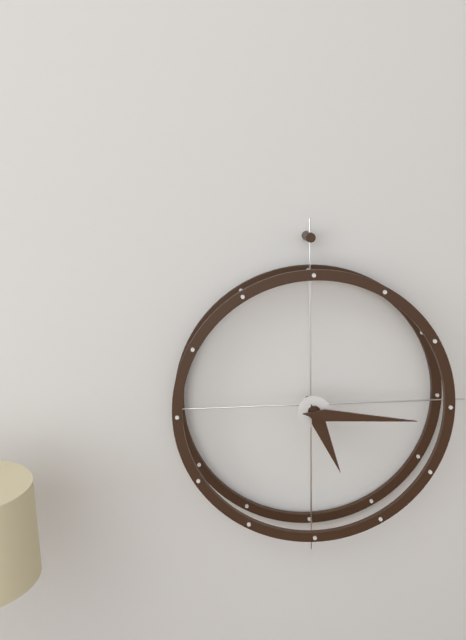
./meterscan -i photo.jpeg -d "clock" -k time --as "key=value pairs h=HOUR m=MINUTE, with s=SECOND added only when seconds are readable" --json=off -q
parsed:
h=5 m=16
